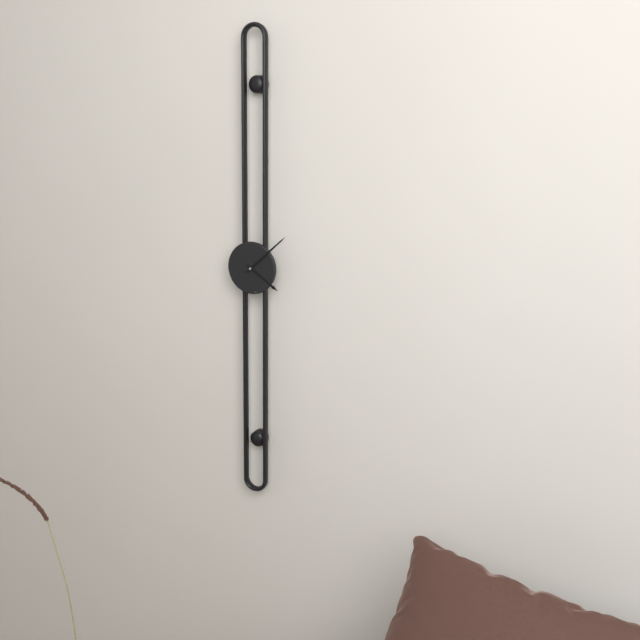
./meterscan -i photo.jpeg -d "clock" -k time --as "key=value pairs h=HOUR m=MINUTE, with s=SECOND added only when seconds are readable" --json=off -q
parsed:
h=4 m=8
